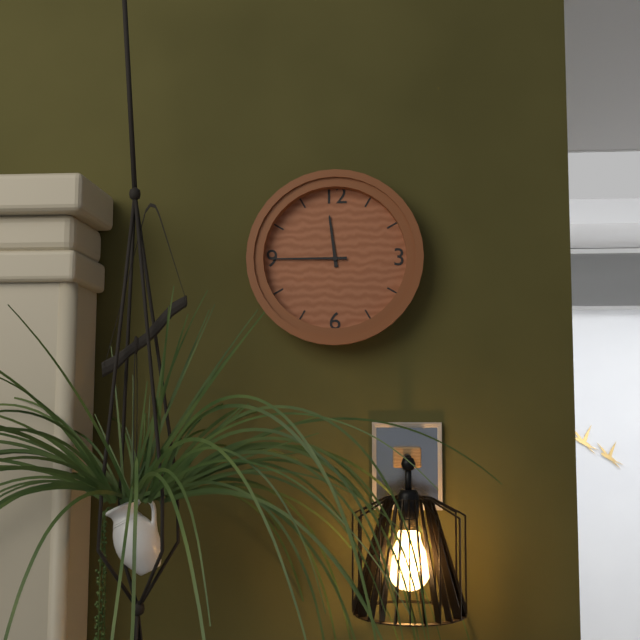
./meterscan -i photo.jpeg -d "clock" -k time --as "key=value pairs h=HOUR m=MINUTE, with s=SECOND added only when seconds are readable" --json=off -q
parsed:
h=11 m=45
